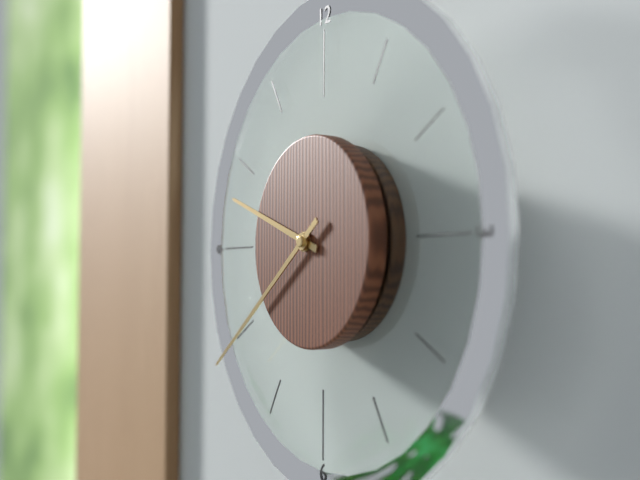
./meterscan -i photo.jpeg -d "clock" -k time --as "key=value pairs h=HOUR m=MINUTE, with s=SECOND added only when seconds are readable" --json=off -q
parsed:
h=9 m=39
